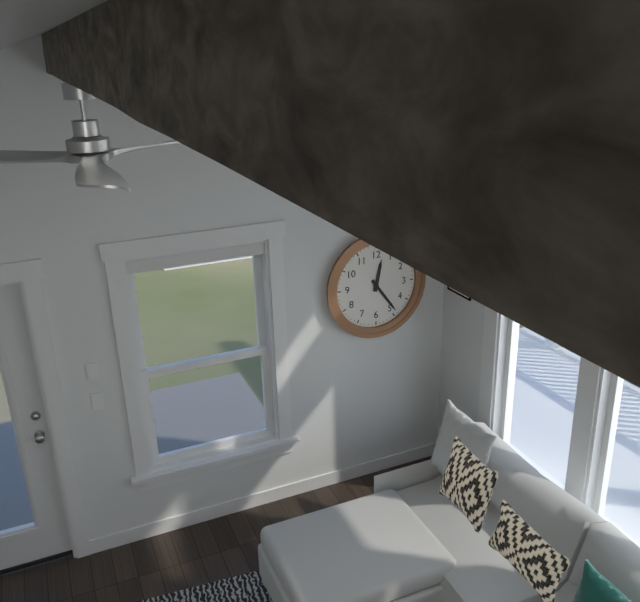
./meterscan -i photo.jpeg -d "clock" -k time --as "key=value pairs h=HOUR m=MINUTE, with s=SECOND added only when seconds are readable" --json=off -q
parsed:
h=12 m=24
